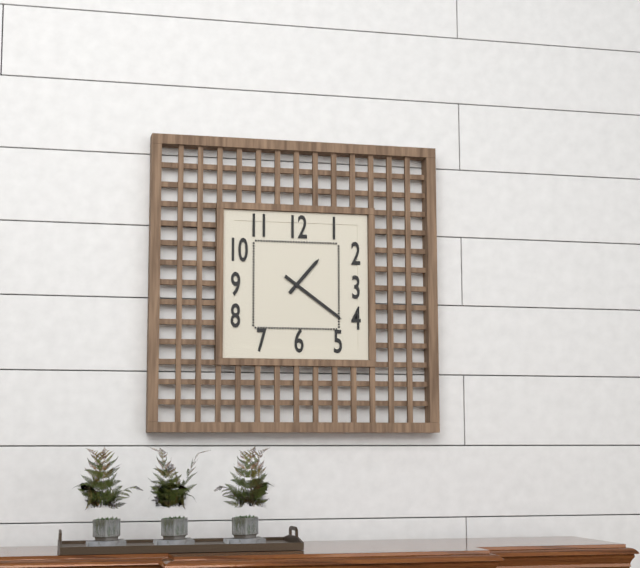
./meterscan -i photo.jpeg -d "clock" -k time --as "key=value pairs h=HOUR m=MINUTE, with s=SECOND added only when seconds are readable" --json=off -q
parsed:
h=1 m=21
